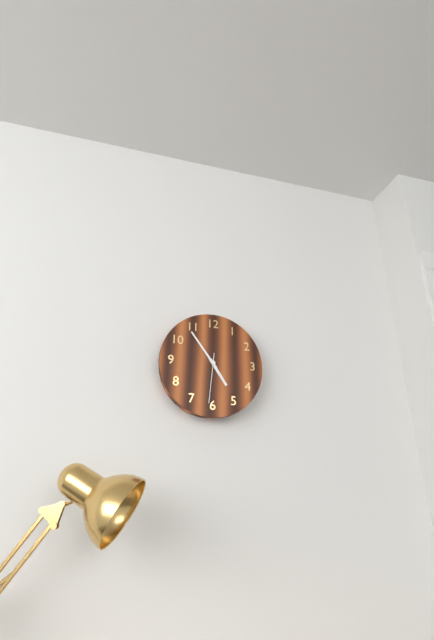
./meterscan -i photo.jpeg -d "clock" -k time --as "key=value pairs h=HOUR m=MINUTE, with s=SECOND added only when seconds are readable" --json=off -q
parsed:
h=4 m=54 s=31
